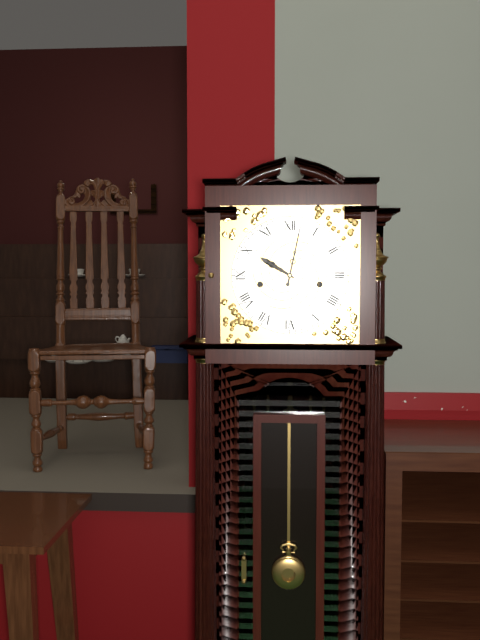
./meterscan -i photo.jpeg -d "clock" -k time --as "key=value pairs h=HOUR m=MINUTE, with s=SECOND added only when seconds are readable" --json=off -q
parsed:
h=10 m=2
